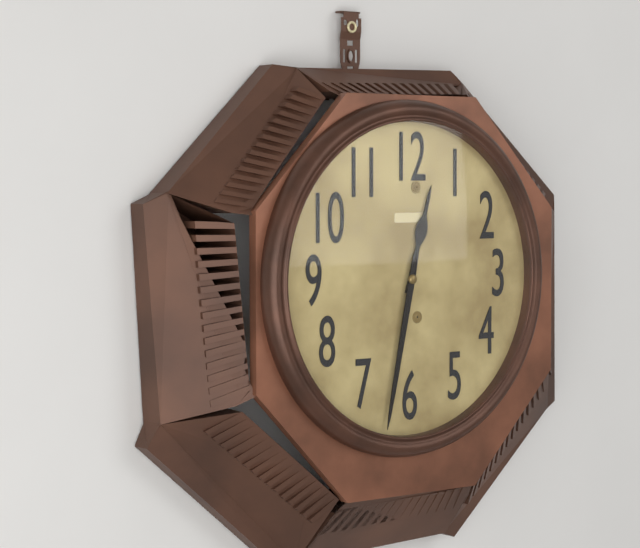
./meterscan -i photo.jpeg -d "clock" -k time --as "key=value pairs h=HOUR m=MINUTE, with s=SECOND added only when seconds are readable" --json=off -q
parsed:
h=12 m=32
